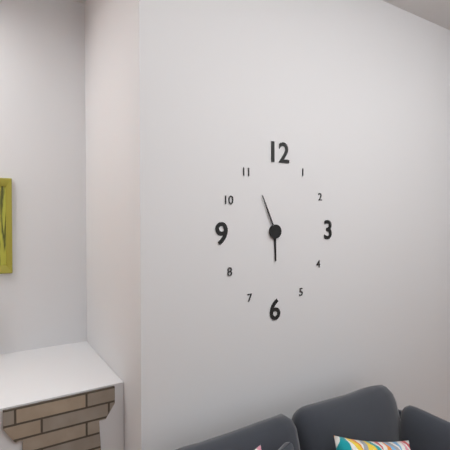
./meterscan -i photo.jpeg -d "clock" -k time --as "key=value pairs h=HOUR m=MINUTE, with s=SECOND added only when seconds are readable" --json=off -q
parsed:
h=5 m=56
